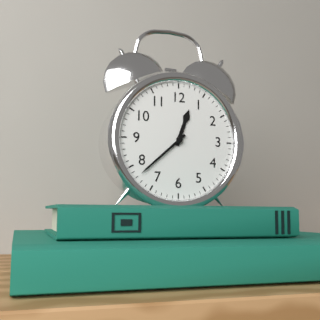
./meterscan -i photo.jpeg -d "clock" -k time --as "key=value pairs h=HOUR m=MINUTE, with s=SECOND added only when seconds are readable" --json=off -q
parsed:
h=12 m=38
